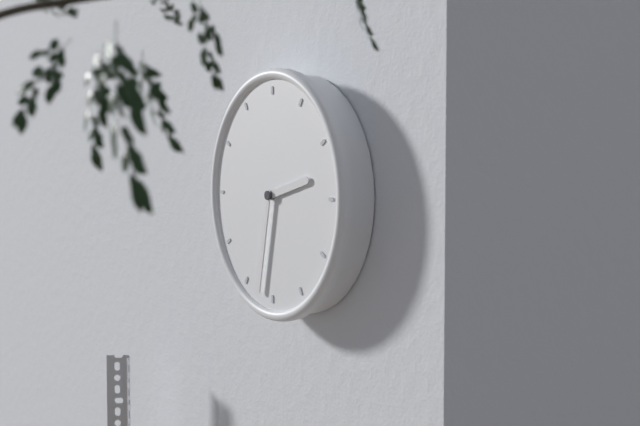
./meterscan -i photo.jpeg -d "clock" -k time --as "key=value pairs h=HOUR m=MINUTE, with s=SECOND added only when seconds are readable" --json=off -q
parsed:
h=2 m=32
